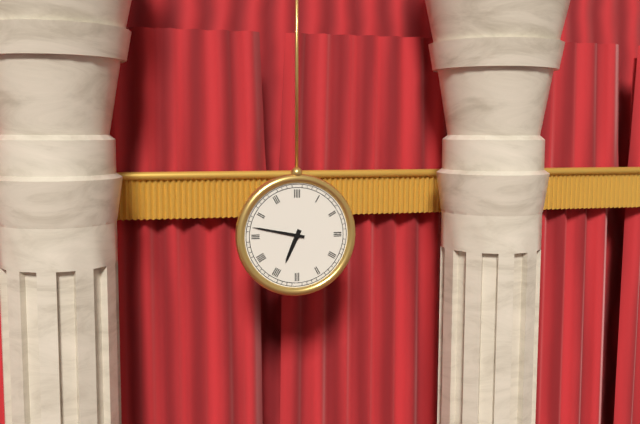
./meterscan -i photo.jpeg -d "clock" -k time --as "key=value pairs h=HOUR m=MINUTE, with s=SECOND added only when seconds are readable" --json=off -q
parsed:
h=6 m=47
